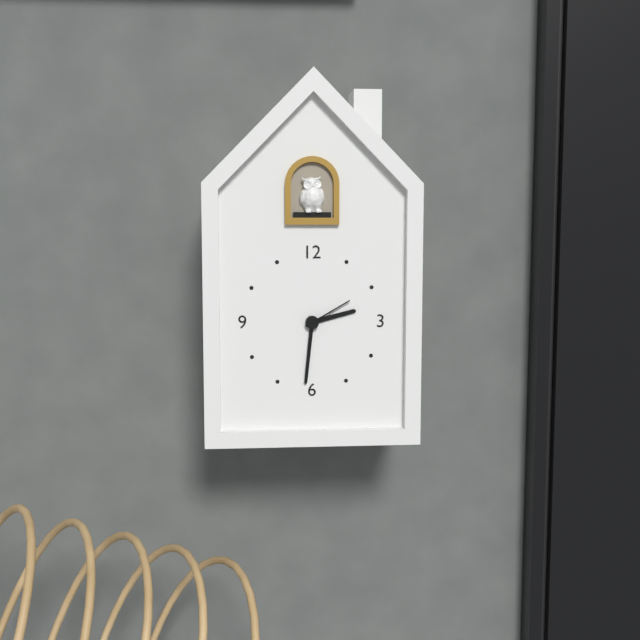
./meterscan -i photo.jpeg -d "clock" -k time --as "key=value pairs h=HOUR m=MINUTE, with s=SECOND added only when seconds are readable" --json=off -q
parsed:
h=2 m=31 s=10
